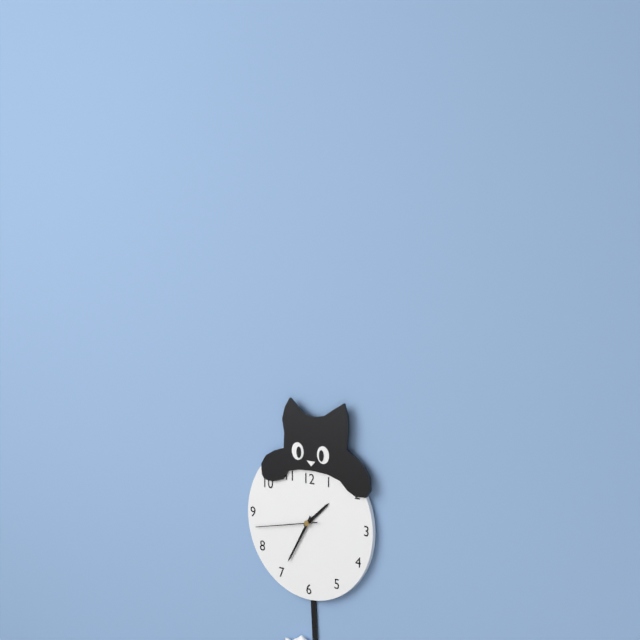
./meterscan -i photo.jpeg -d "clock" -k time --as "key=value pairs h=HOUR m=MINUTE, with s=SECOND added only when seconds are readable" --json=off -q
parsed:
h=1 m=35 s=43
